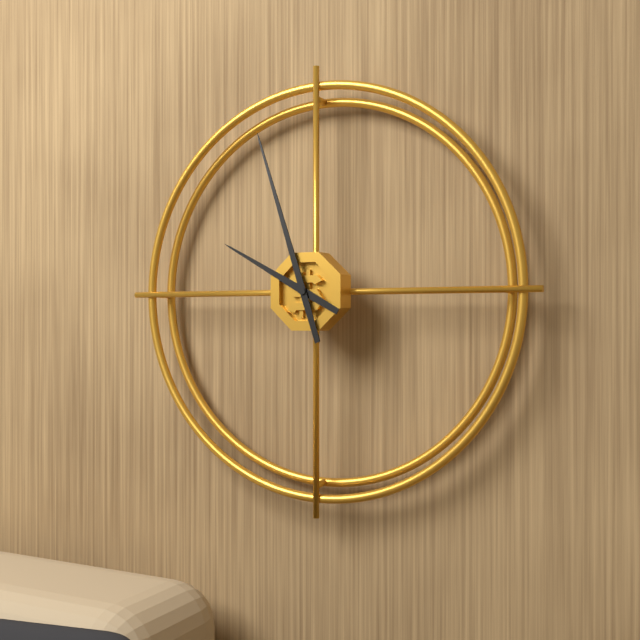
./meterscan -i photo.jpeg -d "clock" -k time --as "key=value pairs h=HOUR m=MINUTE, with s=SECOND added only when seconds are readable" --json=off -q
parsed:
h=9 m=57
